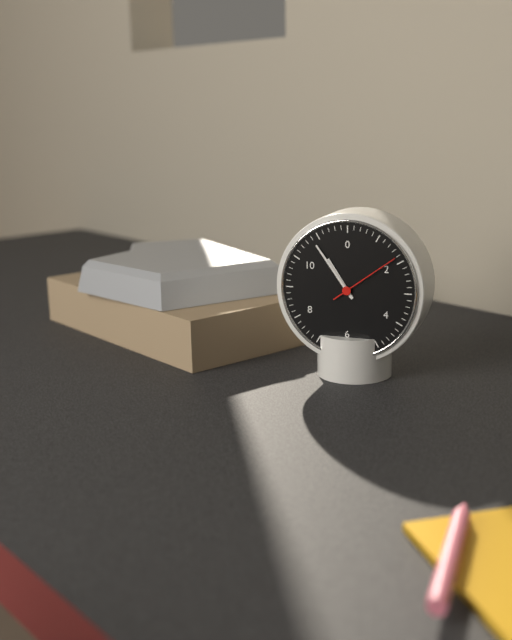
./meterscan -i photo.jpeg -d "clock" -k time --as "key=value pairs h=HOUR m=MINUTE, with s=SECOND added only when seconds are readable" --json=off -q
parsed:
h=10 m=54 s=9
